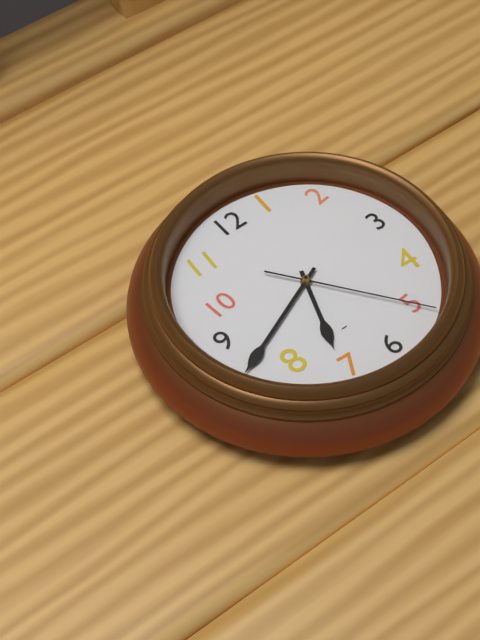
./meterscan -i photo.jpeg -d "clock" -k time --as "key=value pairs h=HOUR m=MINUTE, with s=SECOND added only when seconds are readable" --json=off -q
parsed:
h=6 m=41 s=24
